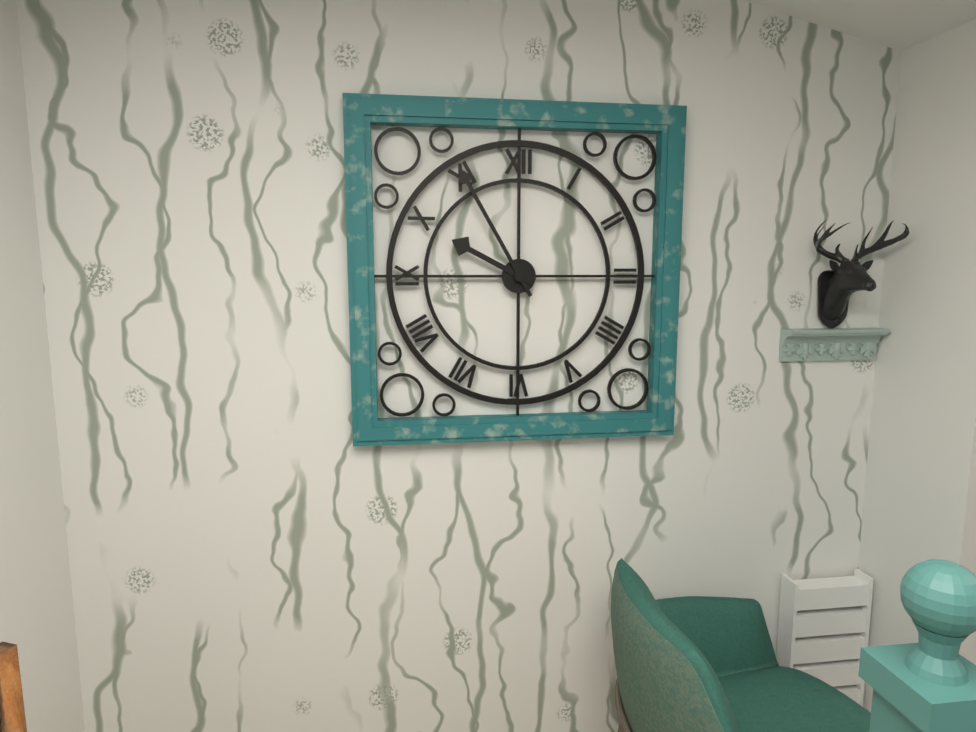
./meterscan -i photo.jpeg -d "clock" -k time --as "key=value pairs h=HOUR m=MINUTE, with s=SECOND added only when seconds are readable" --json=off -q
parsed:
h=9 m=55
